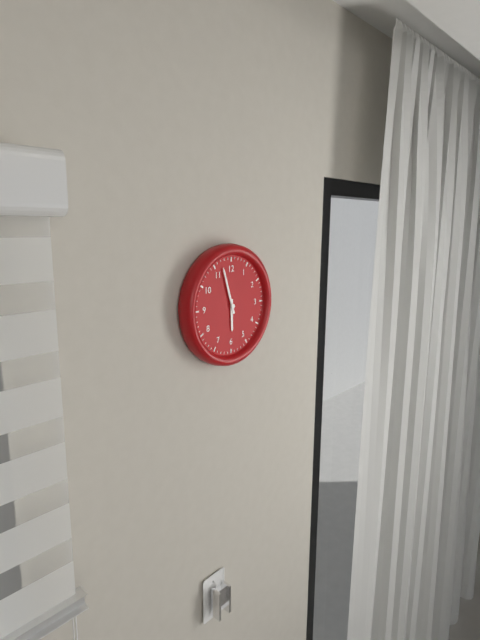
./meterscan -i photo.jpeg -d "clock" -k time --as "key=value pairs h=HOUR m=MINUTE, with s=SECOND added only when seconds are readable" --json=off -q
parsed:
h=5 m=57
